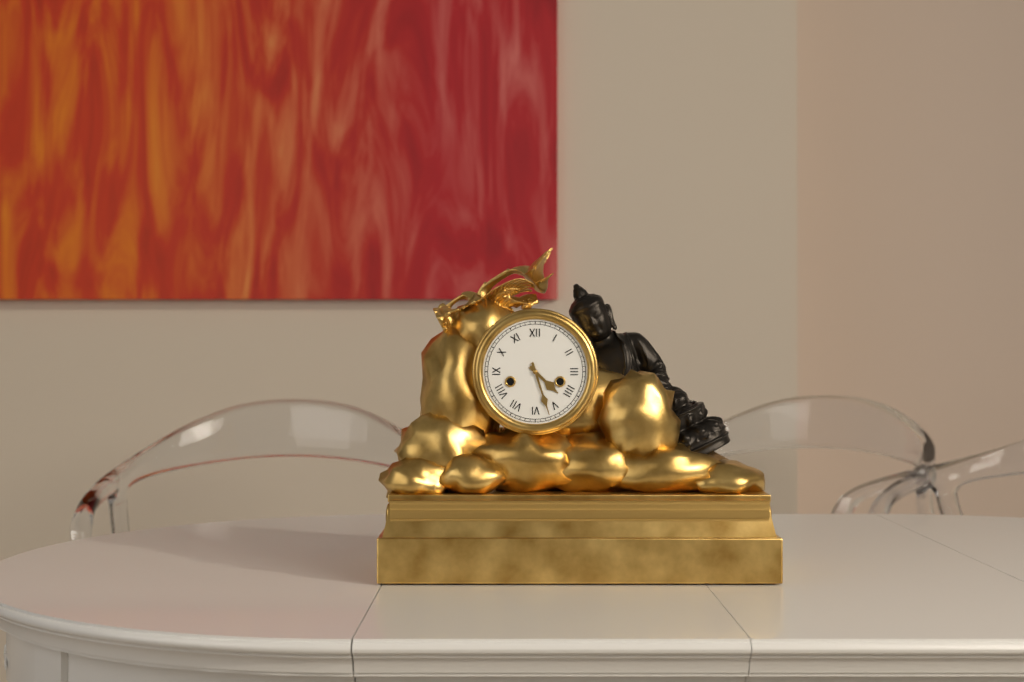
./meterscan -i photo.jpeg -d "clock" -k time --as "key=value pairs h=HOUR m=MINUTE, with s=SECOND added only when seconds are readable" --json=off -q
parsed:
h=4 m=27
